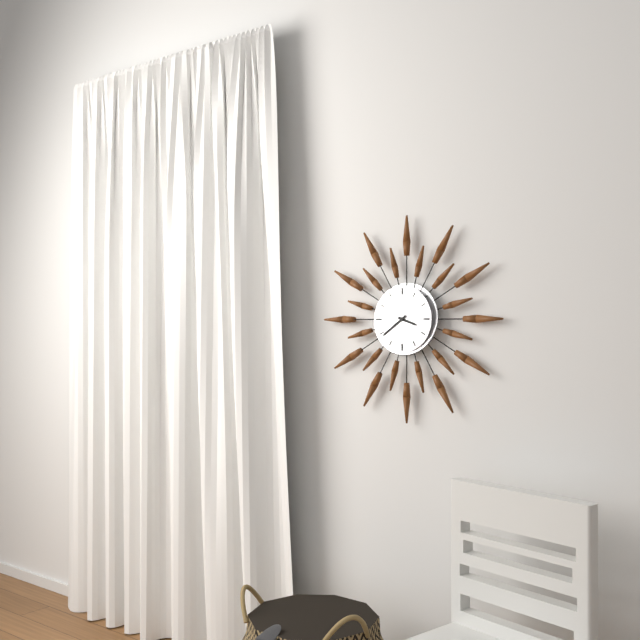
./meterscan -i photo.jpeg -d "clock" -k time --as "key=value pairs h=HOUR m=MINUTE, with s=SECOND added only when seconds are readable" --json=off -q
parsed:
h=3 m=39
